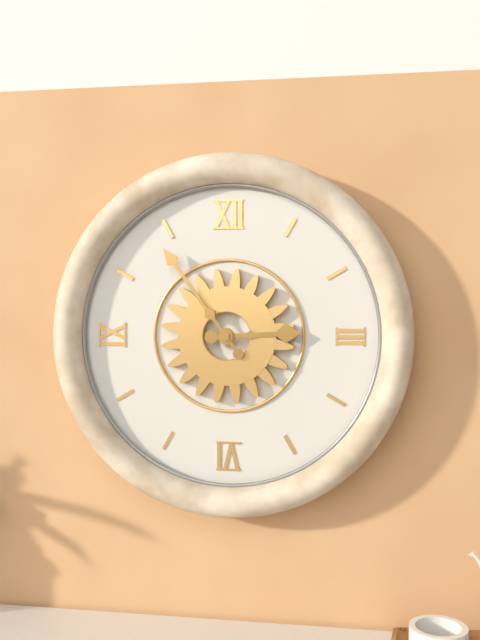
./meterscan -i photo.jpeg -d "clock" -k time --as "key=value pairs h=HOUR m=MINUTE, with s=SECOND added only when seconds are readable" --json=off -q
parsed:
h=2 m=54
